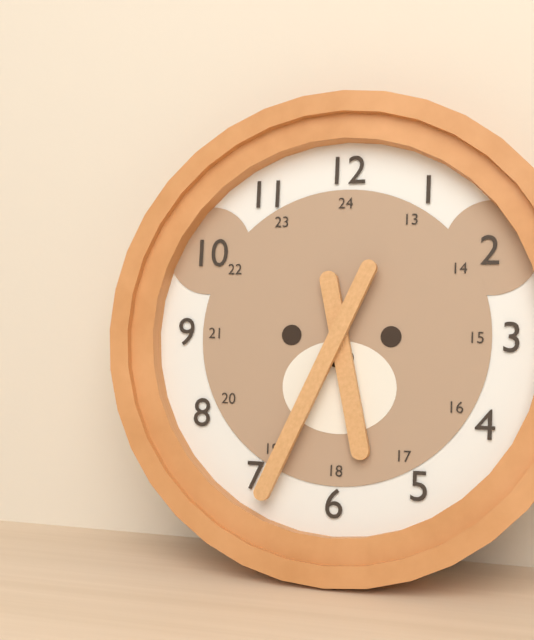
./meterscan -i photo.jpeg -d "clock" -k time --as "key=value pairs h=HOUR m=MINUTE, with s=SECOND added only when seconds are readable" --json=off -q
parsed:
h=5 m=34
